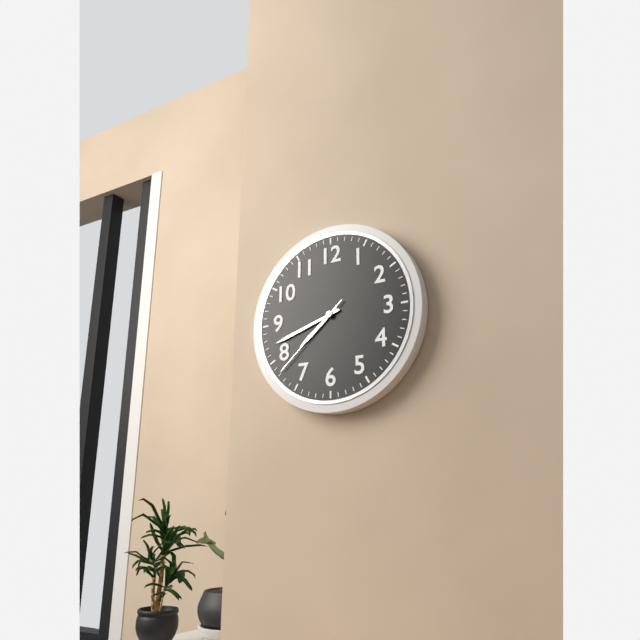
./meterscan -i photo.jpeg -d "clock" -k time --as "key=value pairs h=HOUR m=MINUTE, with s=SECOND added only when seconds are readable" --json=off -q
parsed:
h=7 m=42 s=38
